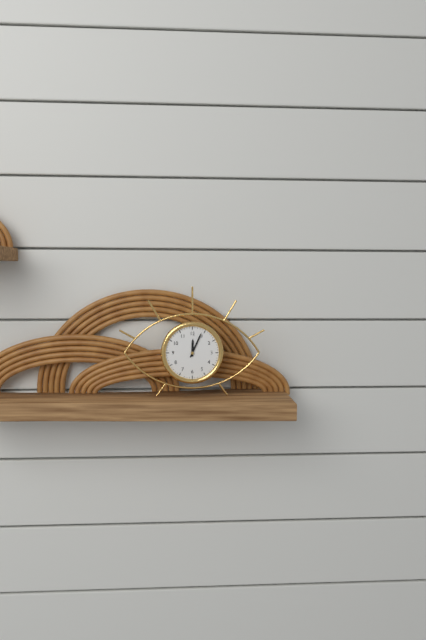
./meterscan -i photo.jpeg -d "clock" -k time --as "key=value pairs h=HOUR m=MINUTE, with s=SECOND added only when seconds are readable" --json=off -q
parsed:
h=12 m=4
